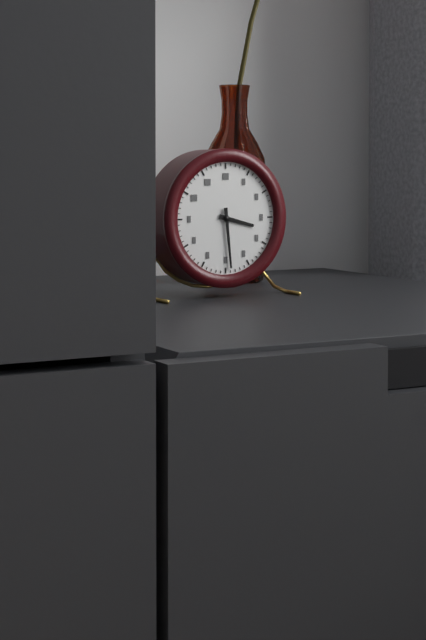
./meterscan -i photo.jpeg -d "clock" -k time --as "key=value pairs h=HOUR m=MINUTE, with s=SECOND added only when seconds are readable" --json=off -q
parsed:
h=3 m=29
